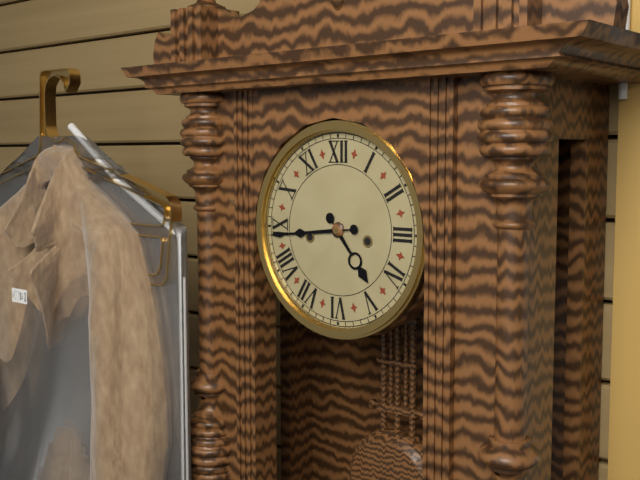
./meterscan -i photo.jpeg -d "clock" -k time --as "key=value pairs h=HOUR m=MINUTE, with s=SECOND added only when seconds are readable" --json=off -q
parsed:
h=4 m=44
